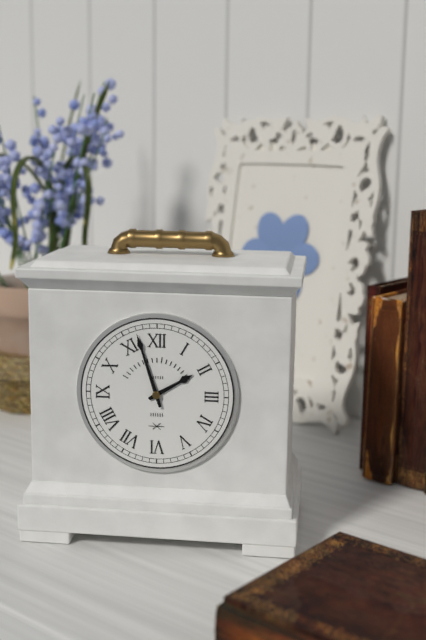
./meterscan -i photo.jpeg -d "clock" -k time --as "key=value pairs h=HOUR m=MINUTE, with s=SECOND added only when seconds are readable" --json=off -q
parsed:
h=1 m=57
